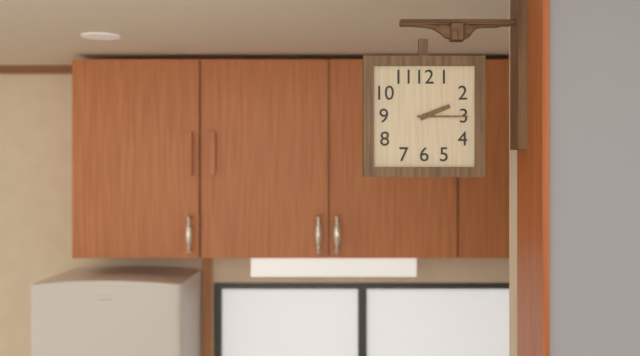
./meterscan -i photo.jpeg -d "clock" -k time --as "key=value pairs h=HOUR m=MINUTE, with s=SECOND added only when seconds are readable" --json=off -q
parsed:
h=2 m=15
